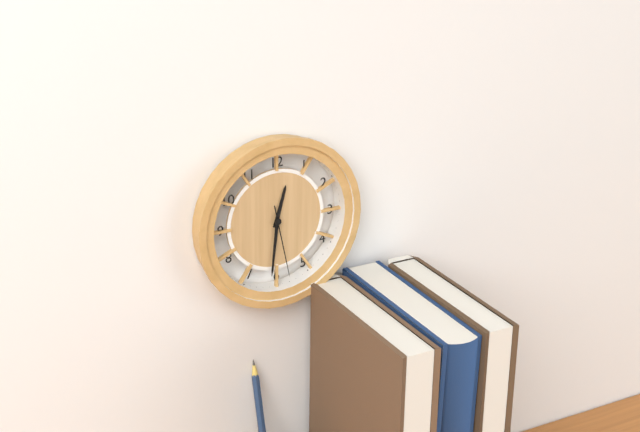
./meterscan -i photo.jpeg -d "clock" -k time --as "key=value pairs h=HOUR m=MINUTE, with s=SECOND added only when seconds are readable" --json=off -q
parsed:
h=12 m=31 s=28
